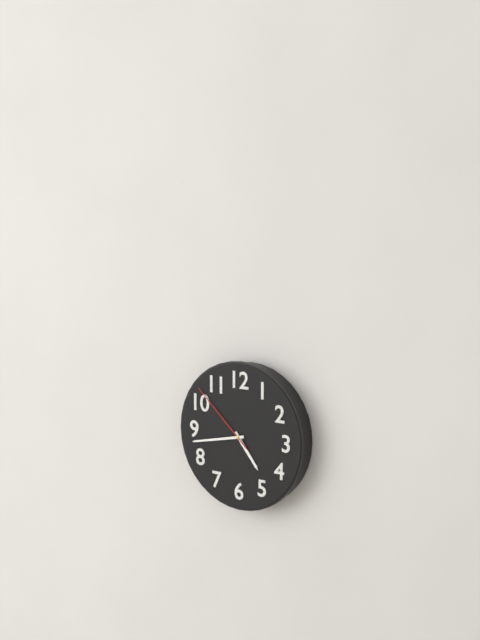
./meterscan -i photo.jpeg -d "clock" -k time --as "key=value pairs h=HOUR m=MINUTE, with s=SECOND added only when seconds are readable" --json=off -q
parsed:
h=4 m=43 s=52
